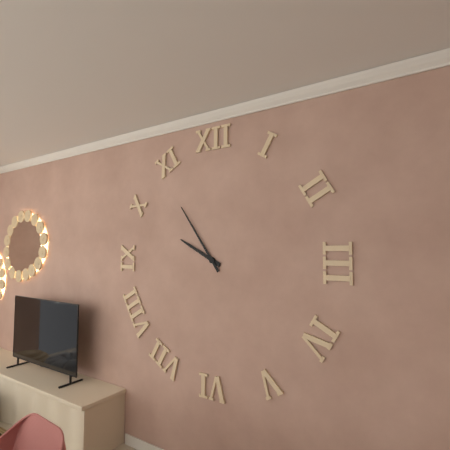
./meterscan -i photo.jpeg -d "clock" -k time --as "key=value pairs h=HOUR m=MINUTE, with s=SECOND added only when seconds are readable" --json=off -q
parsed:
h=9 m=54
